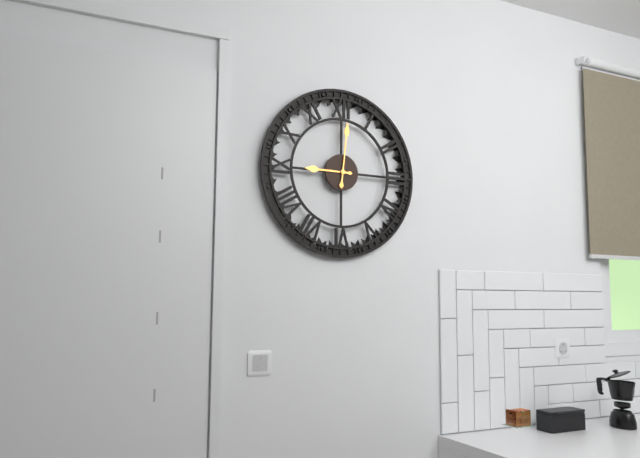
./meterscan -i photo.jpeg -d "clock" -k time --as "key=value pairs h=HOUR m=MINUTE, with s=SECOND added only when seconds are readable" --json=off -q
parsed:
h=9 m=1
